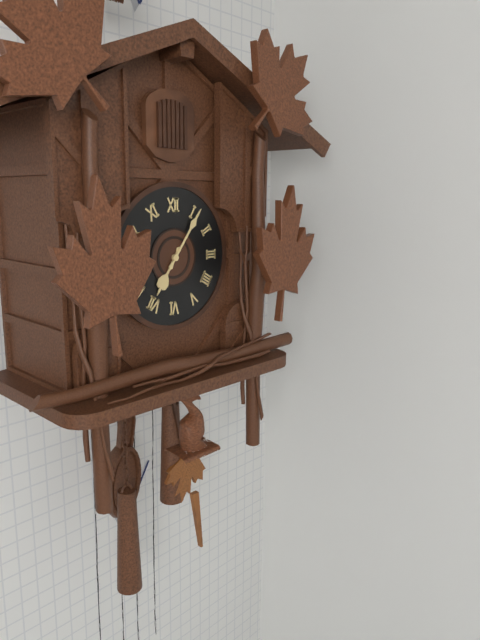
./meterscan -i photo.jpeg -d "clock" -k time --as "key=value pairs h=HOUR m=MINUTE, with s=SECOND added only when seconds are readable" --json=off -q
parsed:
h=7 m=6
